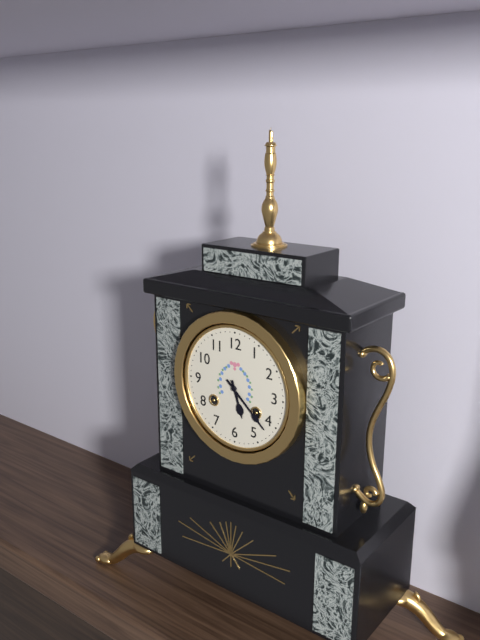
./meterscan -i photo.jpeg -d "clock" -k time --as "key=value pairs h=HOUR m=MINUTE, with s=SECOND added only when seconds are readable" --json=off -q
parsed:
h=5 m=22
